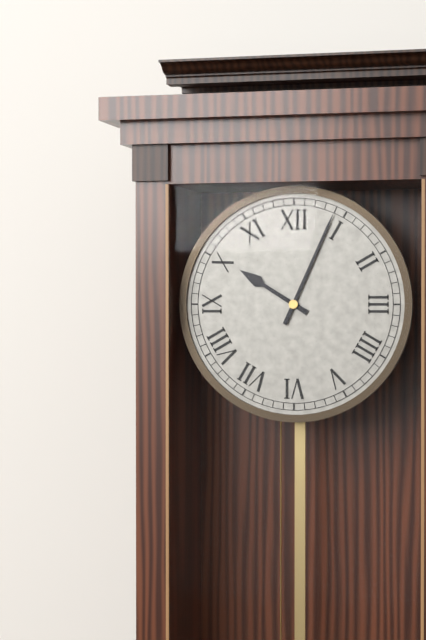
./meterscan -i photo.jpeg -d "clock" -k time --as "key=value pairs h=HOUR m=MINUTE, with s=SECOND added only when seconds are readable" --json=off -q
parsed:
h=10 m=4
